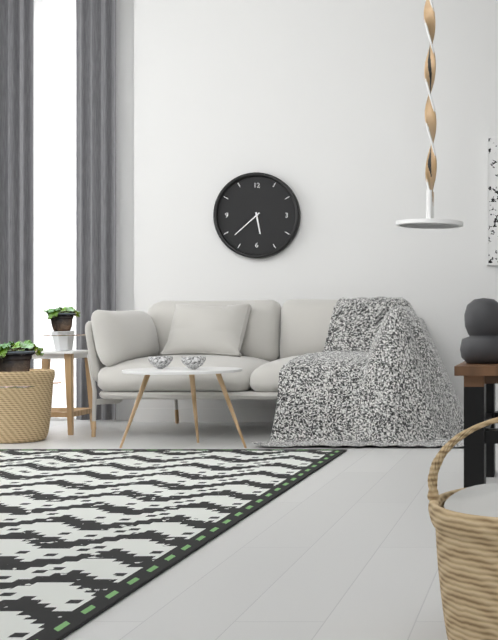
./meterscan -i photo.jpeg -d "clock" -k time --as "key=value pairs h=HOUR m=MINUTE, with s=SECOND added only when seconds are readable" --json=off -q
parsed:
h=5 m=38
